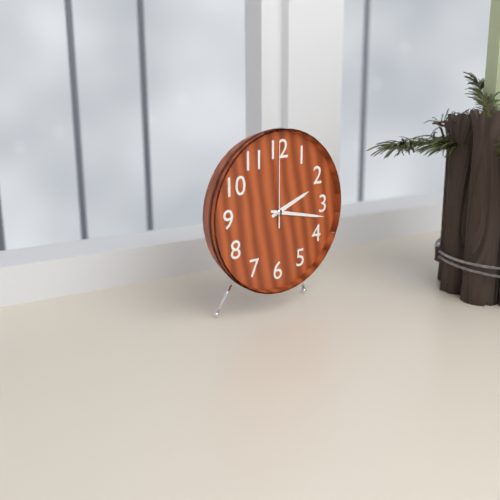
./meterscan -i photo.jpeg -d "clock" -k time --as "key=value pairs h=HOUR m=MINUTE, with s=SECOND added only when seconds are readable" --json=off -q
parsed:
h=2 m=17 s=0
